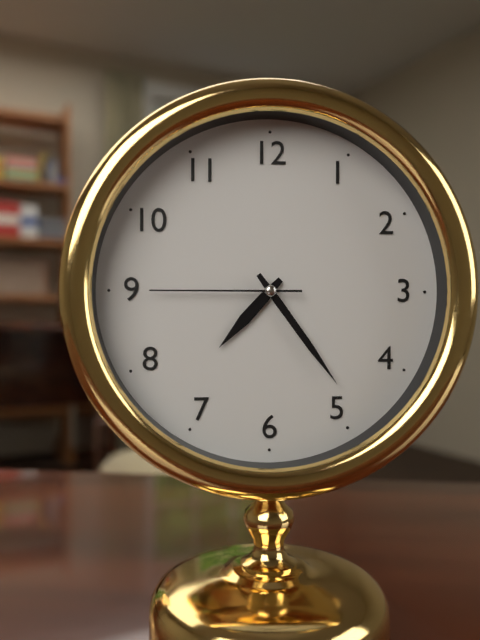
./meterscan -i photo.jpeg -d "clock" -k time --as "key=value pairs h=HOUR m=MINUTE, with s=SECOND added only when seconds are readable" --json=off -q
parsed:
h=7 m=24 s=45
